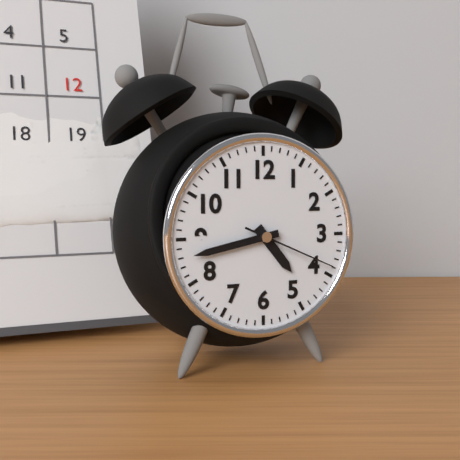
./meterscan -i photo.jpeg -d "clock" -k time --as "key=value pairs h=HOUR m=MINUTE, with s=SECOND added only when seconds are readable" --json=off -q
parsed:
h=4 m=43 s=19
